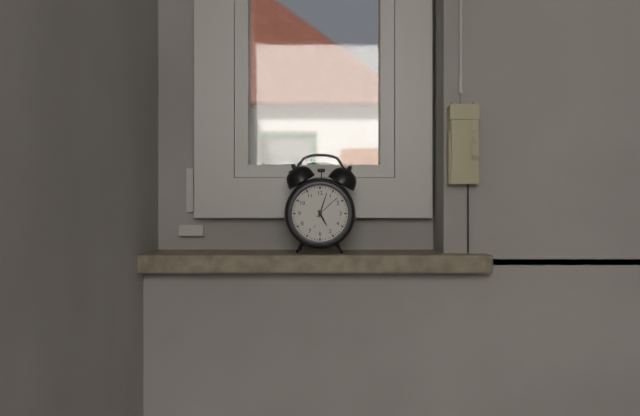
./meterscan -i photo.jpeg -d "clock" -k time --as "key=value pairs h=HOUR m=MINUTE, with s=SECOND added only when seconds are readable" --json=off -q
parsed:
h=5 m=3
